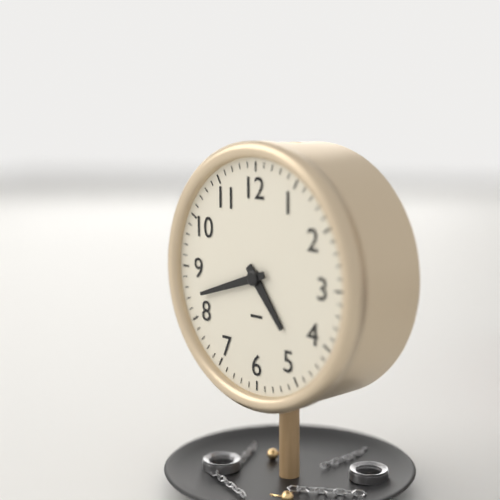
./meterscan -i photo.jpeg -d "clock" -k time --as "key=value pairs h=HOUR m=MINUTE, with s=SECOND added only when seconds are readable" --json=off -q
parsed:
h=4 m=42
